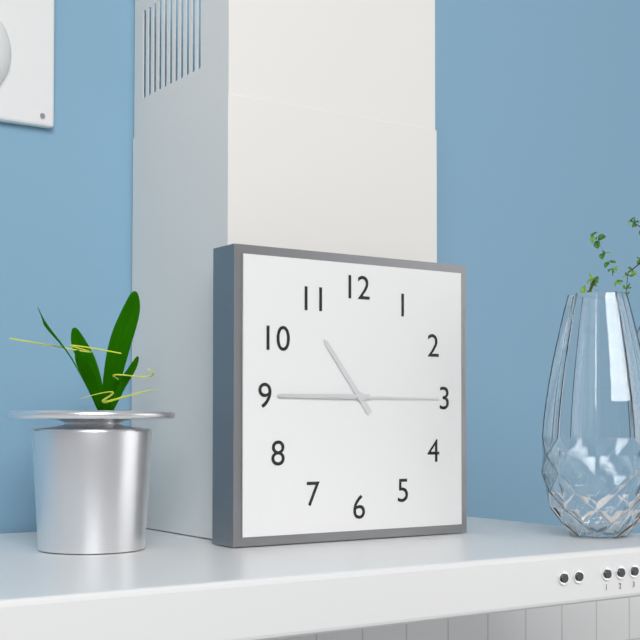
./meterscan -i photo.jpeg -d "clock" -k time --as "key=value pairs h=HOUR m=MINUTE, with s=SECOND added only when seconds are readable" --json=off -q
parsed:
h=10 m=45 s=15
